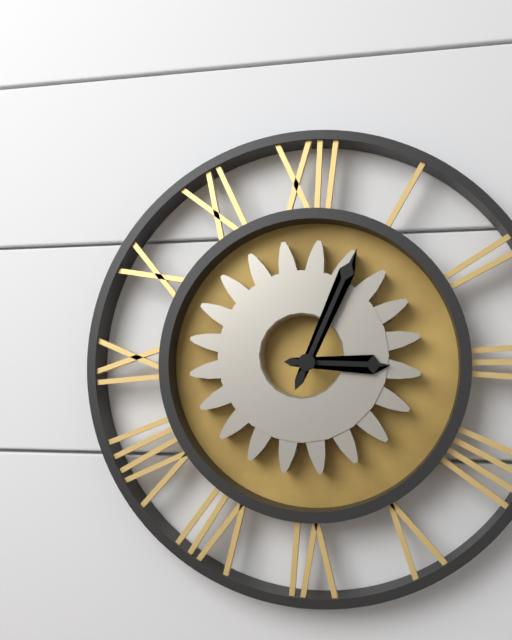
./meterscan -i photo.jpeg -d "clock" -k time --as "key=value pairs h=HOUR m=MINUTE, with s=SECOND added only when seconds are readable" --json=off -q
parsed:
h=3 m=4
